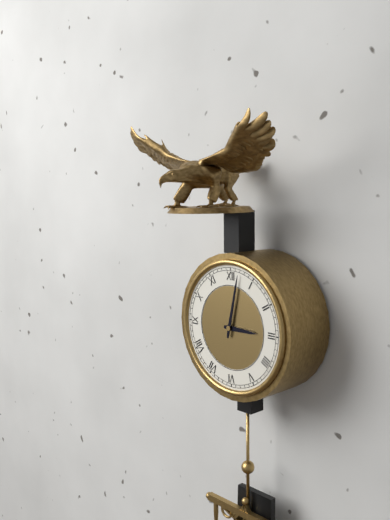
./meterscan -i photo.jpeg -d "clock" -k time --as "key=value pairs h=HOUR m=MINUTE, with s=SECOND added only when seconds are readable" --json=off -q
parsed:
h=3 m=2
